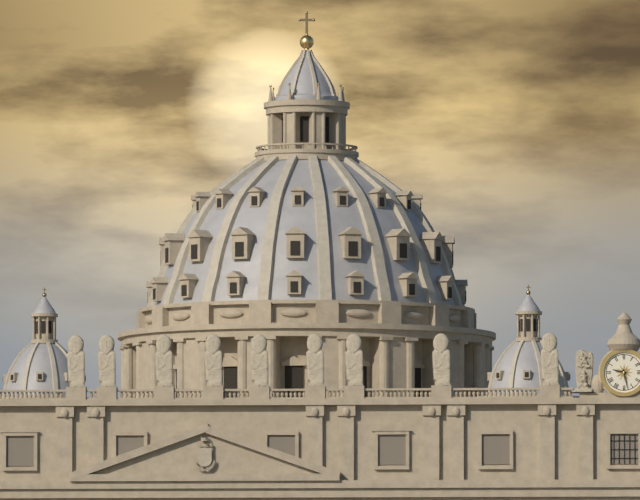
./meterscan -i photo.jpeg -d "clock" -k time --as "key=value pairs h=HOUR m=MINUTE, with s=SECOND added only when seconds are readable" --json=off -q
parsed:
h=9 m=28
